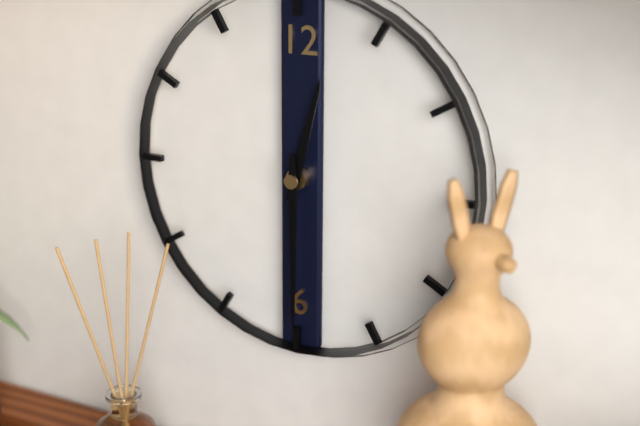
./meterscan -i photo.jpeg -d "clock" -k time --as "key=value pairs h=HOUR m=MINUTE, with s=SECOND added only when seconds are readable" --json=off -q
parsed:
h=12 m=30
